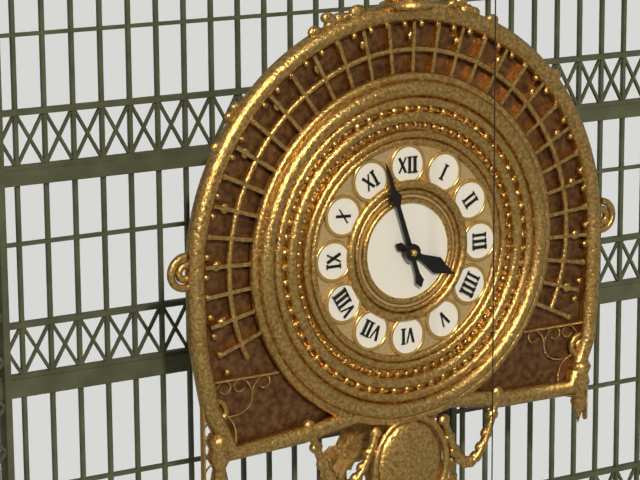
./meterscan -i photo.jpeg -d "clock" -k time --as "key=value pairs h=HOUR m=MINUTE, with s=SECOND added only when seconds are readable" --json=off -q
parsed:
h=3 m=57
